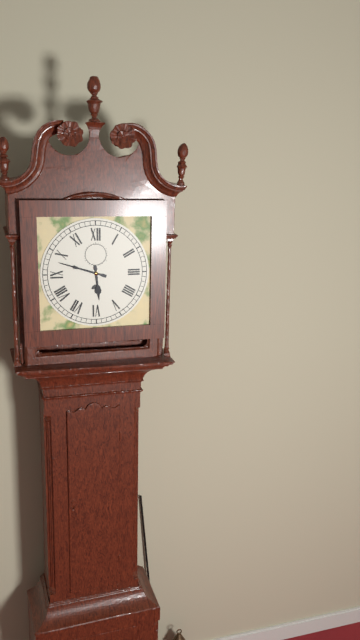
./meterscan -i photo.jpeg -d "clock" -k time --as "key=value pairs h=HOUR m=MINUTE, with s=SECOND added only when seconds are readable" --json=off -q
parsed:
h=5 m=48
